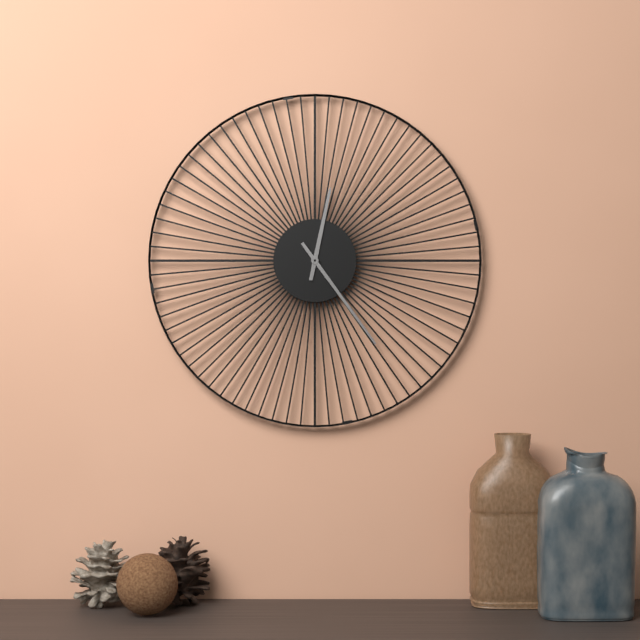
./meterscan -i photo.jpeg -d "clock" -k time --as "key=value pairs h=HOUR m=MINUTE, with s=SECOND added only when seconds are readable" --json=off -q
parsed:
h=12 m=24
